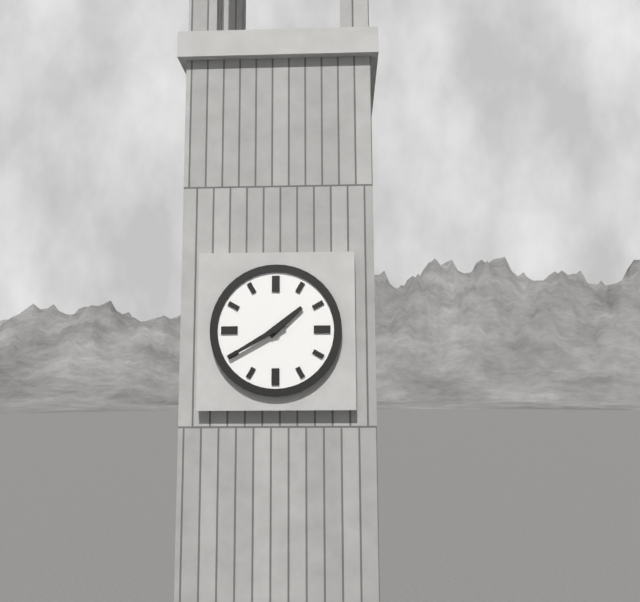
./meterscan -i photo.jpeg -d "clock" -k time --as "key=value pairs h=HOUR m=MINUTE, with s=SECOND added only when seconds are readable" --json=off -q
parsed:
h=1 m=40
